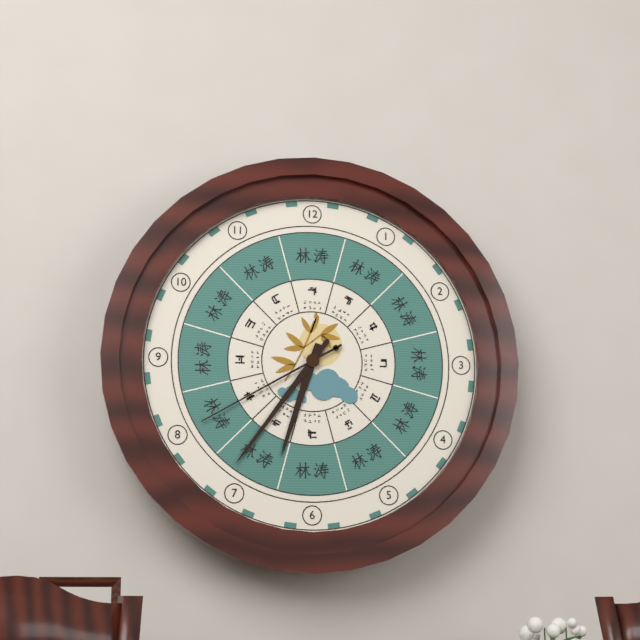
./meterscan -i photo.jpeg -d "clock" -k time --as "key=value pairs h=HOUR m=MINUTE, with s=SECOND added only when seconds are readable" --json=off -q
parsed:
h=6 m=36 s=40
